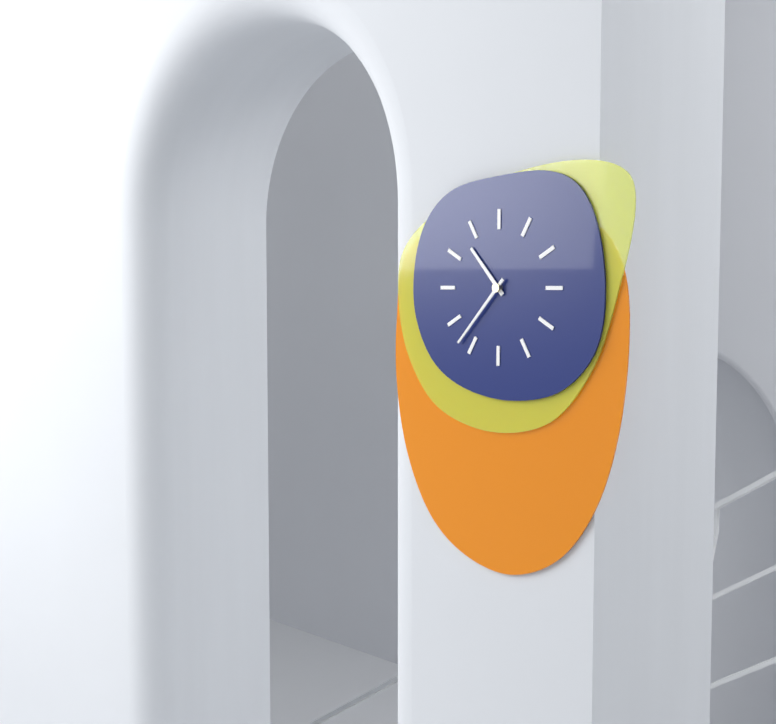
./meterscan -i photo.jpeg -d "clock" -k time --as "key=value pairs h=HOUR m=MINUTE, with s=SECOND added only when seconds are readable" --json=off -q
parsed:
h=10 m=37
